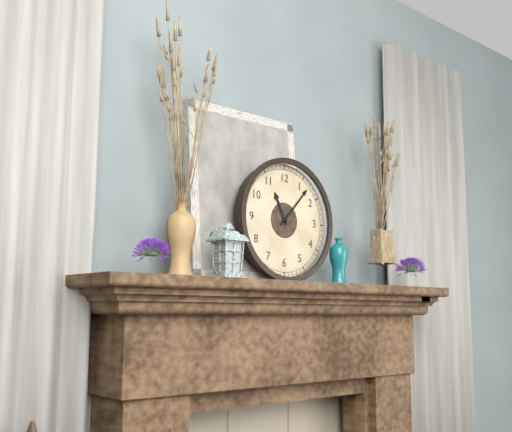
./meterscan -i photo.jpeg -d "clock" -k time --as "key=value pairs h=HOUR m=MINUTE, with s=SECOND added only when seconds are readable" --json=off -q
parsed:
h=11 m=7
